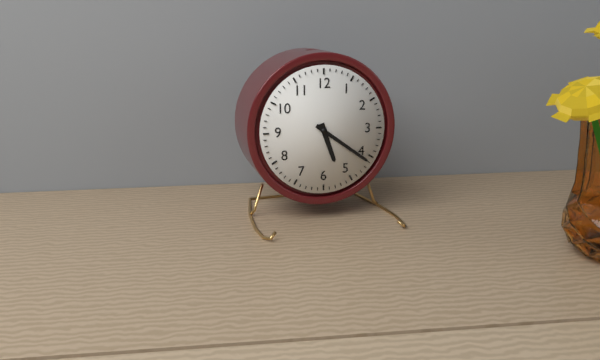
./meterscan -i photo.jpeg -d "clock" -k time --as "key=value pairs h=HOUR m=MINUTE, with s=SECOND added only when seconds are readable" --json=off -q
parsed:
h=5 m=21
